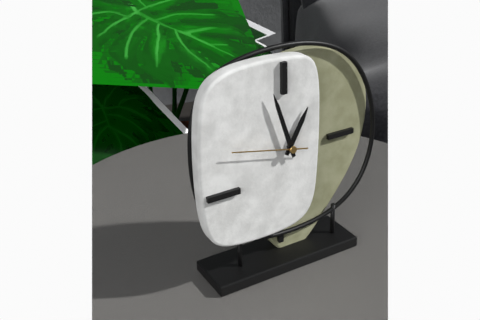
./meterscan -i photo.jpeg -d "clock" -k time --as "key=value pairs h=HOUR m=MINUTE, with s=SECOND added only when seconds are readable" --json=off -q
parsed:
h=12 m=57 s=47
